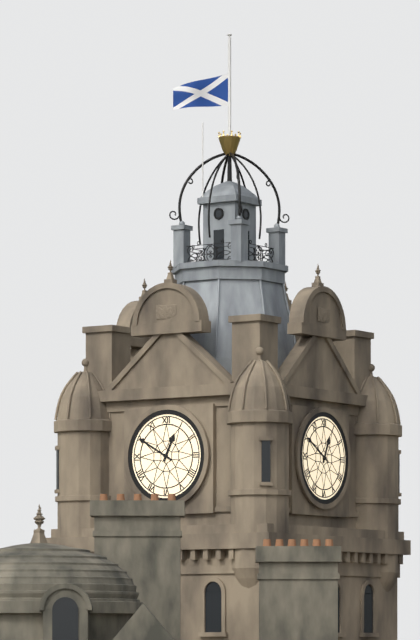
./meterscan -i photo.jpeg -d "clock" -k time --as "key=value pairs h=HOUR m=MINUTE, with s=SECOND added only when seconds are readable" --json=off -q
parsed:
h=12 m=50
